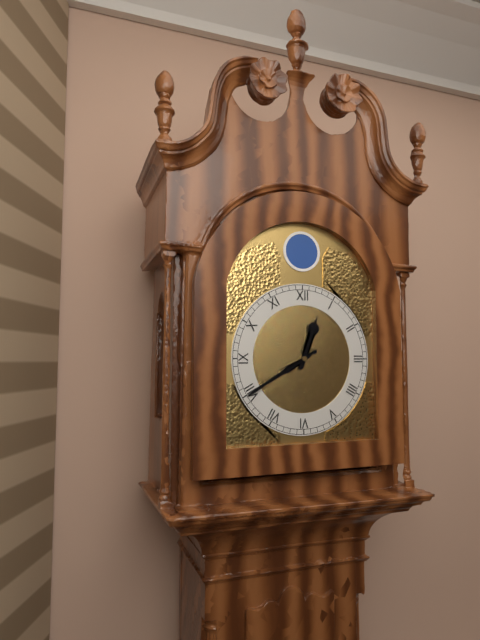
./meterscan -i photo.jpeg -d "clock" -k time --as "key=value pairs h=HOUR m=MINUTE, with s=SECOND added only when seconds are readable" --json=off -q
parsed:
h=12 m=40
